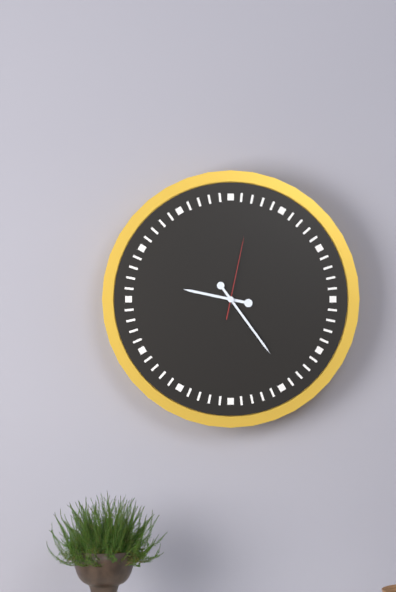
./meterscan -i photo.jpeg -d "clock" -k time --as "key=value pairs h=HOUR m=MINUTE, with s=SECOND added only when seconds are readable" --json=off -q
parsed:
h=9 m=24 s=2
